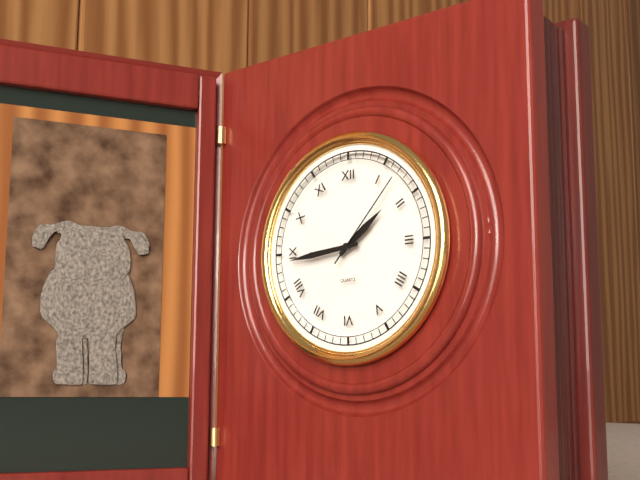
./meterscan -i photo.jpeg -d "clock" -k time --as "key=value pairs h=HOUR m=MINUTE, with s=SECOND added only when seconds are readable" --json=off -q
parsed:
h=1 m=44 s=7
